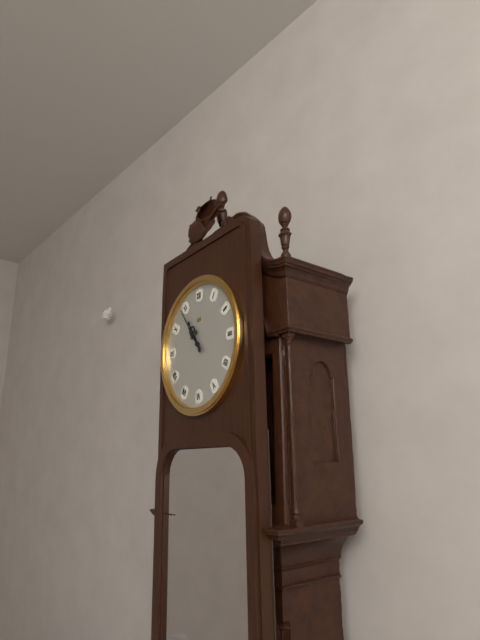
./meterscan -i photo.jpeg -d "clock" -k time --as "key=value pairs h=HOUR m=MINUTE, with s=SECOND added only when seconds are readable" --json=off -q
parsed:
h=10 m=54
